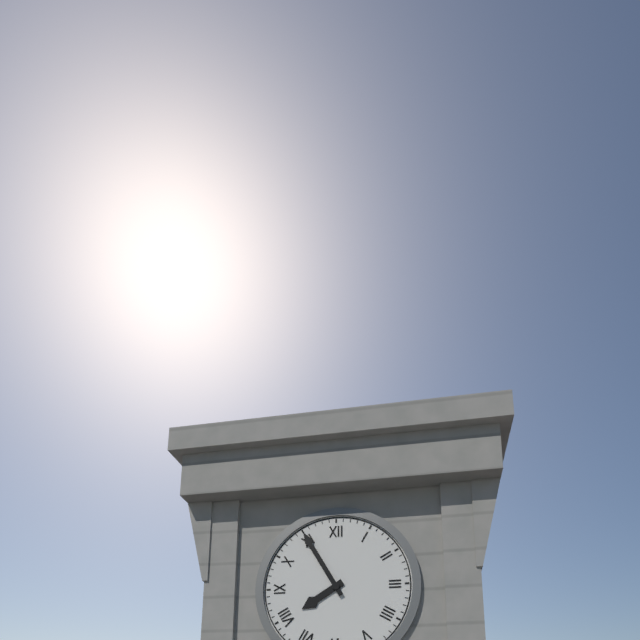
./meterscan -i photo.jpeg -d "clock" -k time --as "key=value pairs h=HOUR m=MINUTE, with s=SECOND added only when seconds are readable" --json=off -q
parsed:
h=7 m=55
